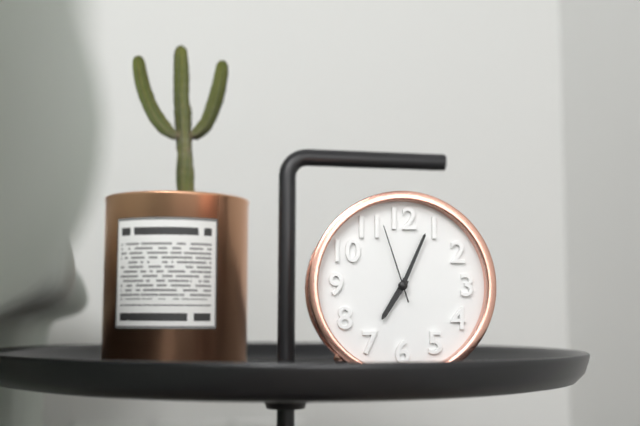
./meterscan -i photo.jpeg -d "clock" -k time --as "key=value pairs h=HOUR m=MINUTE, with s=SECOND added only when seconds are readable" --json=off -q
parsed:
h=7 m=4 s=57
